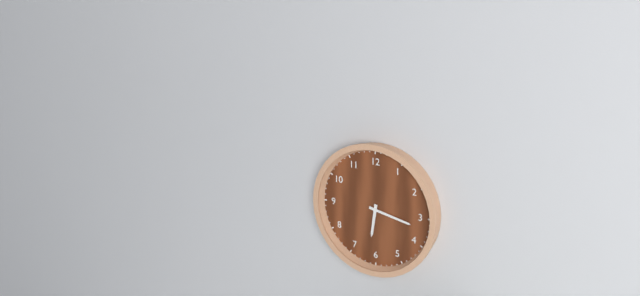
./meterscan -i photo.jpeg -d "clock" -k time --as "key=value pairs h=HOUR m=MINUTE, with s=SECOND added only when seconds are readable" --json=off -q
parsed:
h=6 m=17
